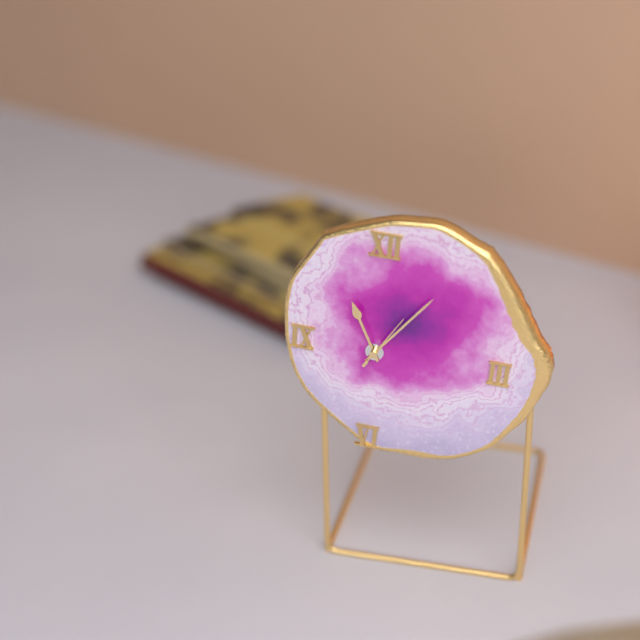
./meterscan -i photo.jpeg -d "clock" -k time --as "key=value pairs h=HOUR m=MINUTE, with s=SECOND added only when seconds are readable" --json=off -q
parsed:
h=11 m=6 s=5
